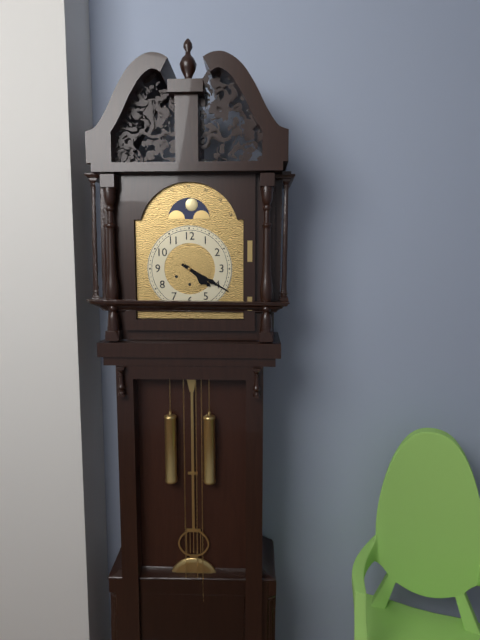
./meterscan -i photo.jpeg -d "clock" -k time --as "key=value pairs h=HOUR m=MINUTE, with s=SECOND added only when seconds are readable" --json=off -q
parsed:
h=4 m=20
